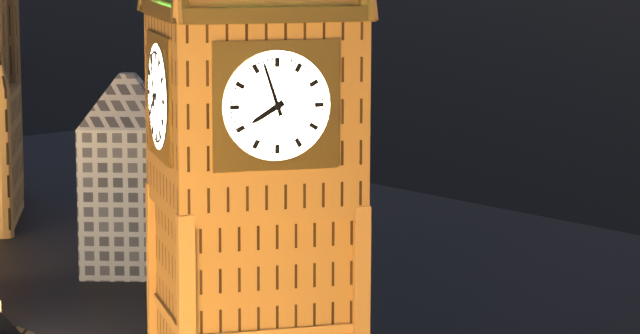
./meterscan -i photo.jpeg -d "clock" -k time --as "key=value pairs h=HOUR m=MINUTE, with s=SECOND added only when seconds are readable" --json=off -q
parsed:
h=7 m=57
